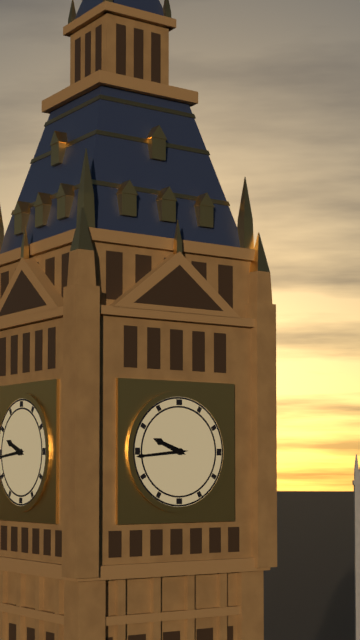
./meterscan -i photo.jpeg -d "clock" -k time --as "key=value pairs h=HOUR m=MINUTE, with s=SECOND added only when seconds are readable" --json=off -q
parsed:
h=9 m=44
